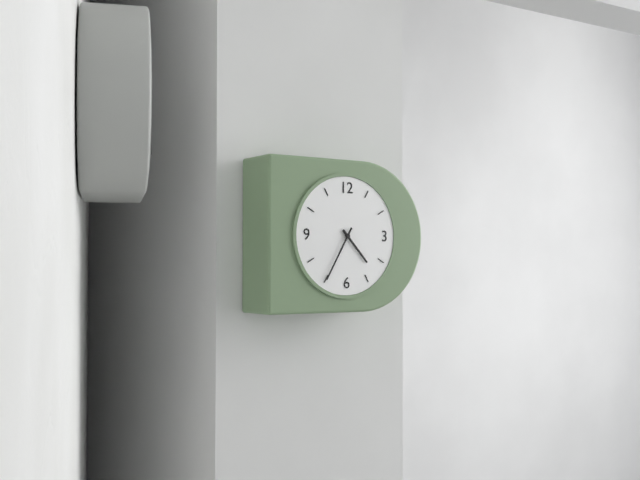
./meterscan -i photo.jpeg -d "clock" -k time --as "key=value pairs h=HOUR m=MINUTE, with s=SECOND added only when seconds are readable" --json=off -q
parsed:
h=4 m=35
